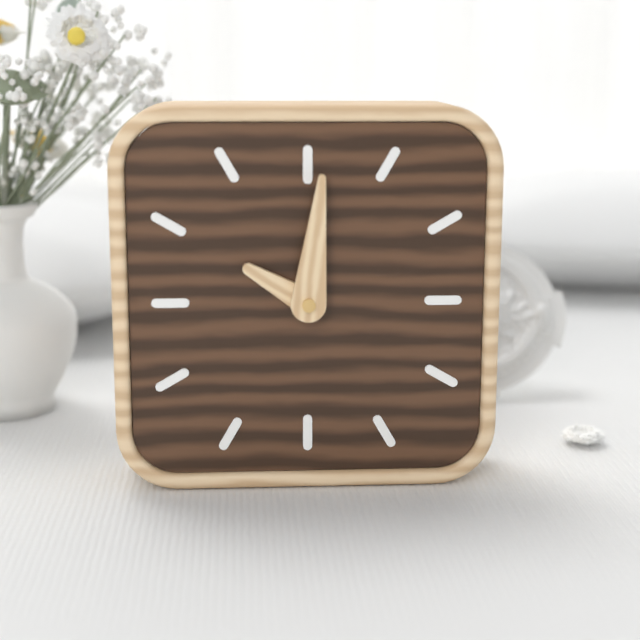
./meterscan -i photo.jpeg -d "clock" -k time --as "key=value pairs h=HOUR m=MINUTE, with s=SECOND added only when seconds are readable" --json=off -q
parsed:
h=10 m=1
